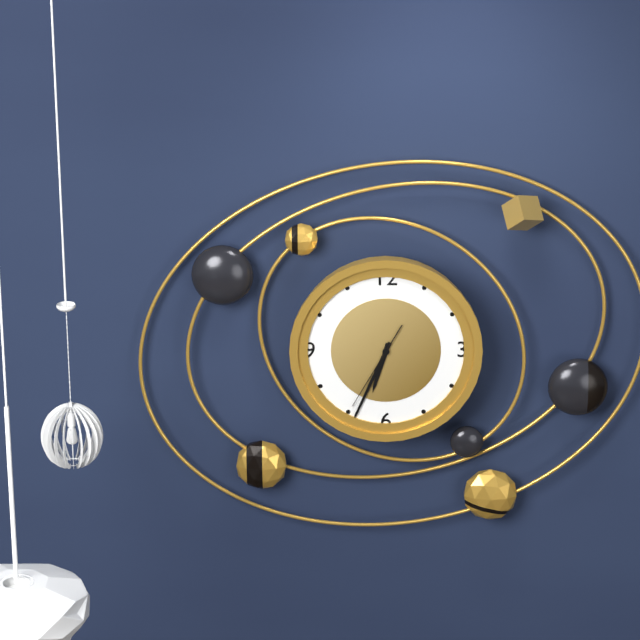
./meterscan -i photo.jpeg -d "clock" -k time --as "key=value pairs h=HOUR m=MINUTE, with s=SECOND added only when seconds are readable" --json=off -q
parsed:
h=6 m=34 s=35
